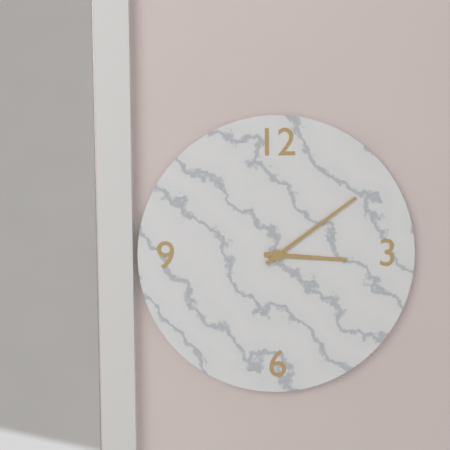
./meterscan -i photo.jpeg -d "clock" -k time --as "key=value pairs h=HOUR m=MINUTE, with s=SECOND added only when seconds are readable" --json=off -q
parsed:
h=3 m=9
